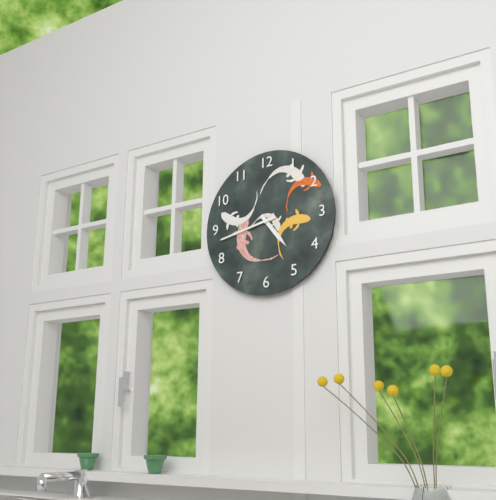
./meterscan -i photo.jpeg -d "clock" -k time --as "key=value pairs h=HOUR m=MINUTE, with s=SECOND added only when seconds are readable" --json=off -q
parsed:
h=4 m=43
